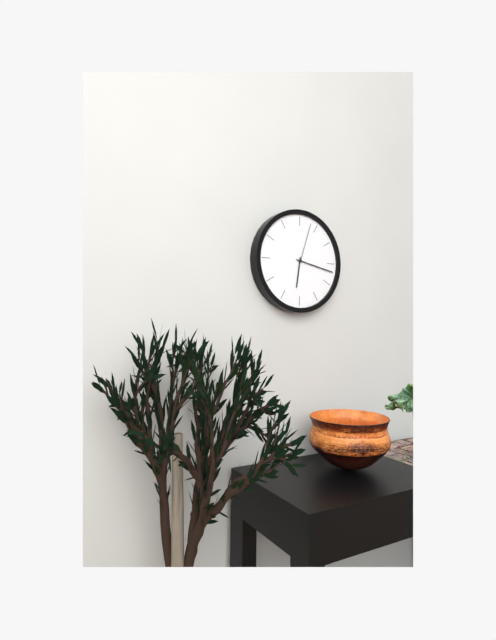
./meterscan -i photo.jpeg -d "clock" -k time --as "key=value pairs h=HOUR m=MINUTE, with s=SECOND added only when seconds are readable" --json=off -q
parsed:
h=6 m=17
